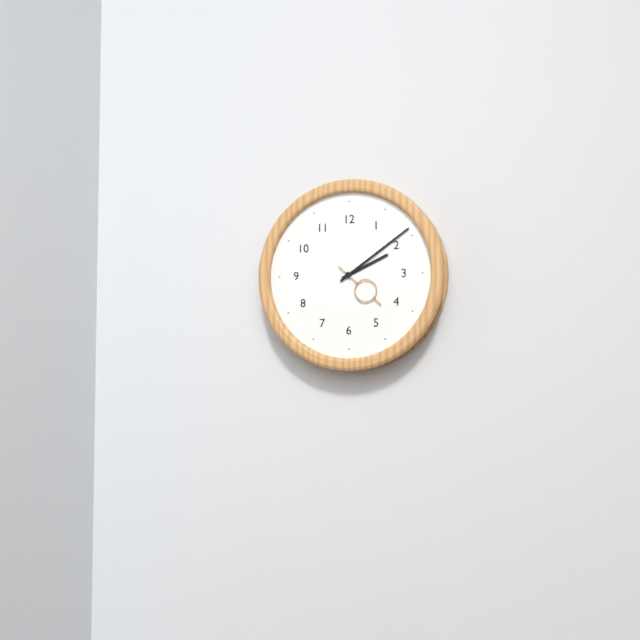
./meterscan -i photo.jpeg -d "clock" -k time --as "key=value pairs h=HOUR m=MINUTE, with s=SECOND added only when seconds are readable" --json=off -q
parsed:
h=2 m=9 s=22
